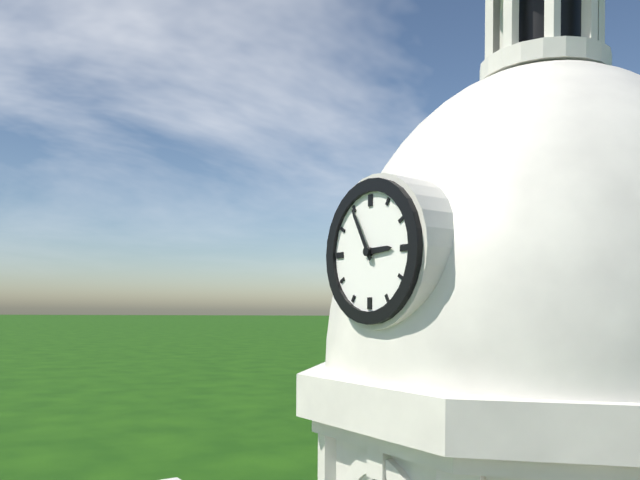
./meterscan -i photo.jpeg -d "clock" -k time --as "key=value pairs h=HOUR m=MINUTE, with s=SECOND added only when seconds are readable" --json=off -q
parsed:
h=2 m=55
